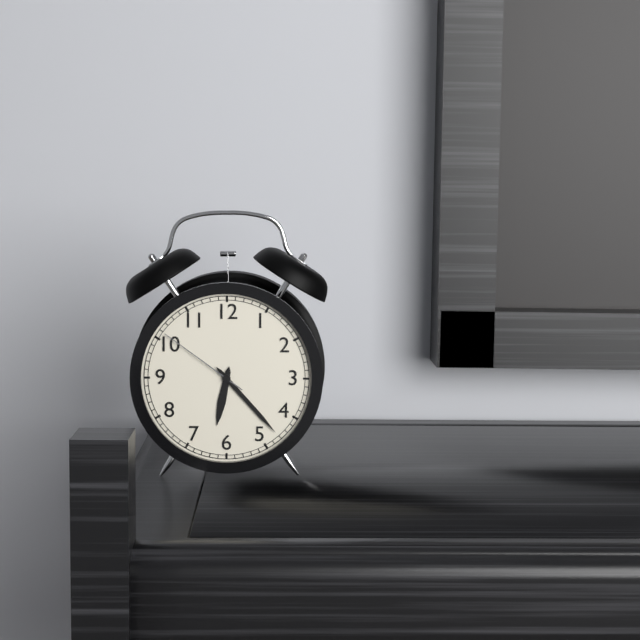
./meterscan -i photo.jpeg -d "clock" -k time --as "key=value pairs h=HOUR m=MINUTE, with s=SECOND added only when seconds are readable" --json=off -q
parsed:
h=6 m=23 s=51
